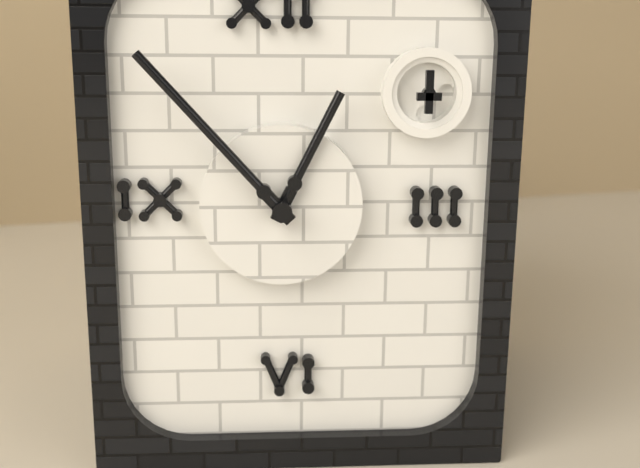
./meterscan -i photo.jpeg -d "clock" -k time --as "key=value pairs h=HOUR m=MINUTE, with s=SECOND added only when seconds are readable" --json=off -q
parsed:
h=12 m=53
